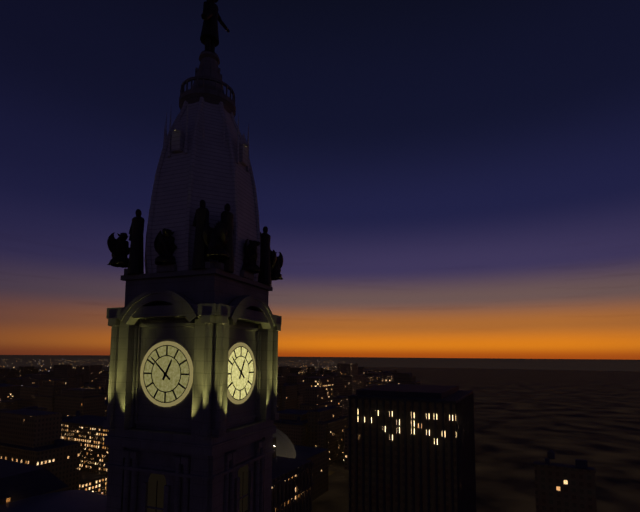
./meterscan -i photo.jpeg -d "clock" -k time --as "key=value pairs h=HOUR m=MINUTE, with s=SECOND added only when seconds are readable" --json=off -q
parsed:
h=12 m=52
